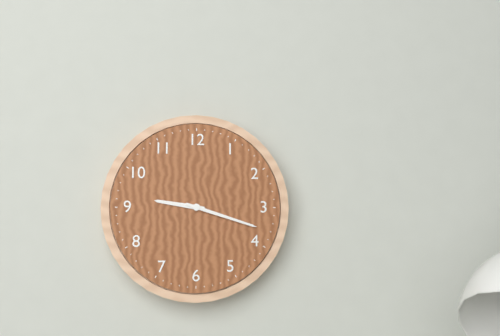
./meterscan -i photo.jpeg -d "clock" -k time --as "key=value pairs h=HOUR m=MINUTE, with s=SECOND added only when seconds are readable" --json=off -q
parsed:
h=9 m=18
